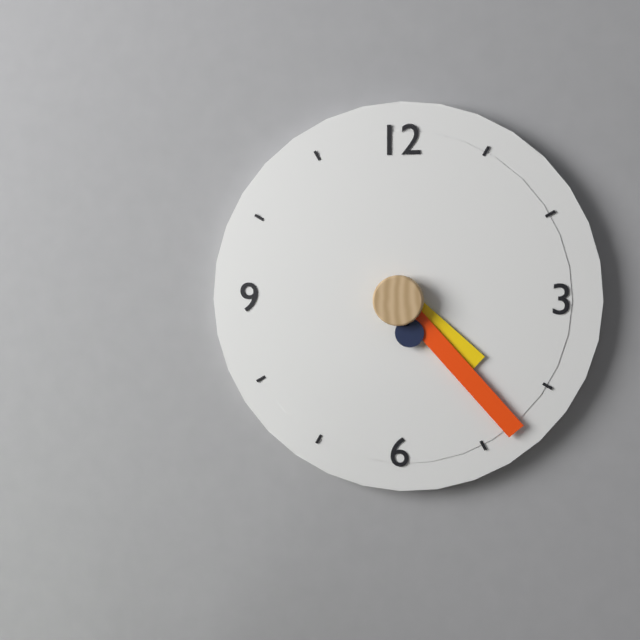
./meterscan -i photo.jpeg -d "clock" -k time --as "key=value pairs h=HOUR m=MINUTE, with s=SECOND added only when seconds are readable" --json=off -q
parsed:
h=4 m=23 s=27
